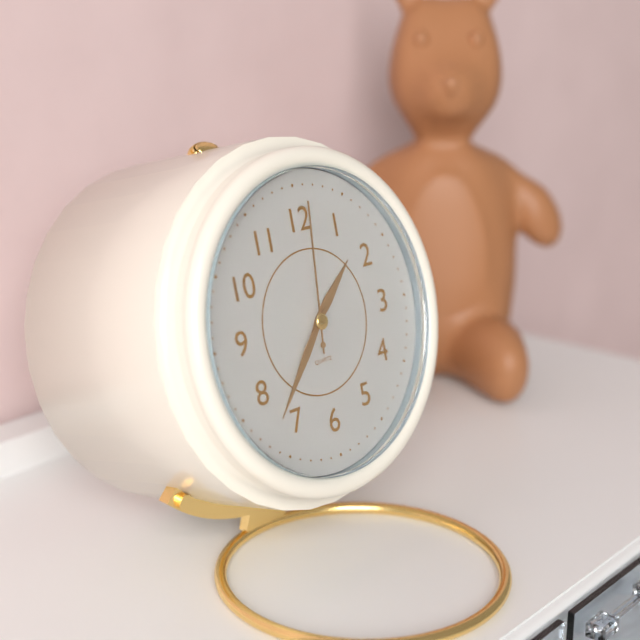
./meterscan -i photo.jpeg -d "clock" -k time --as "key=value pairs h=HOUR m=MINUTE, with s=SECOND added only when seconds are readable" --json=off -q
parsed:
h=1 m=37 s=1
